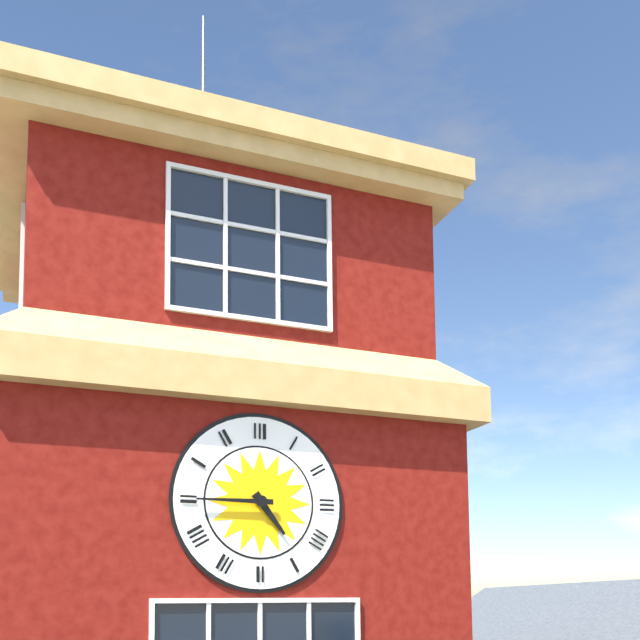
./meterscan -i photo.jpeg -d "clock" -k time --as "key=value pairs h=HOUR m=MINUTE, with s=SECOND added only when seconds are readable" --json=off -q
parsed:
h=4 m=45
